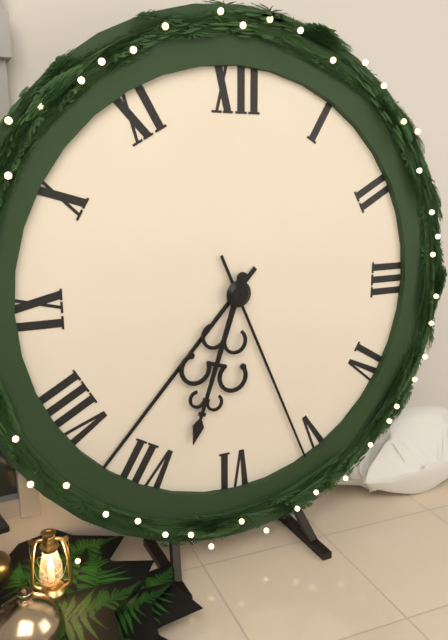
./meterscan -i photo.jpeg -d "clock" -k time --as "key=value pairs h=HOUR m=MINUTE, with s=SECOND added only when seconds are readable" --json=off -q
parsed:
h=6 m=37 s=26
